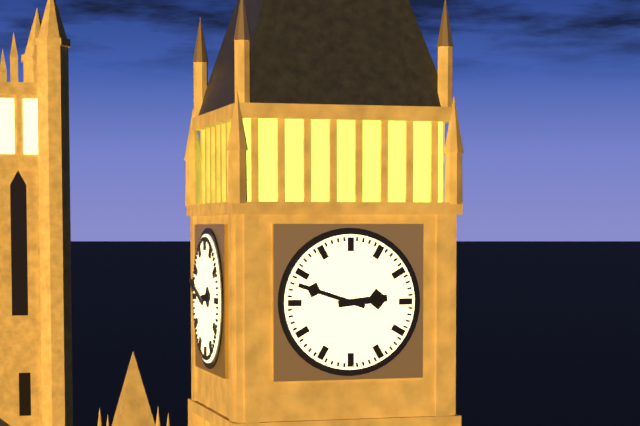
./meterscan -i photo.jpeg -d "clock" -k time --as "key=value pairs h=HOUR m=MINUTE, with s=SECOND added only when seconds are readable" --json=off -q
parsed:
h=2 m=48
